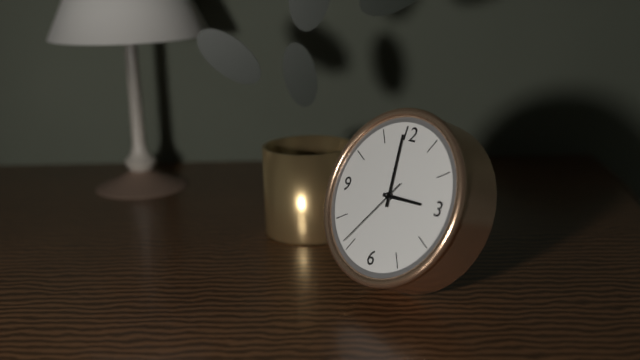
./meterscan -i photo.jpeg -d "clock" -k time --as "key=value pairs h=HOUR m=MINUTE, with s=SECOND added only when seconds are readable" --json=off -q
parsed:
h=2 m=59 s=36
